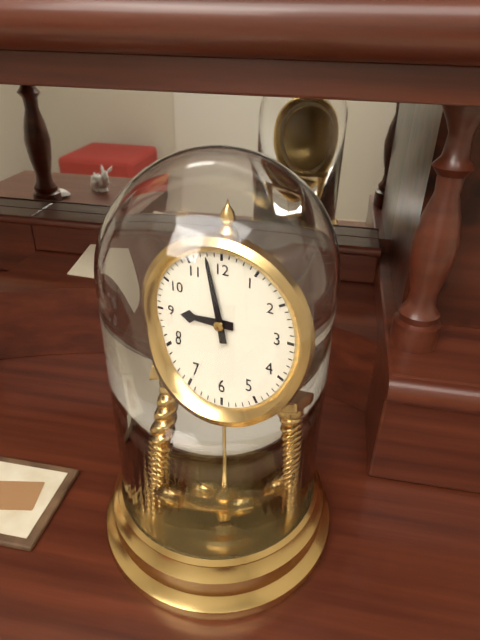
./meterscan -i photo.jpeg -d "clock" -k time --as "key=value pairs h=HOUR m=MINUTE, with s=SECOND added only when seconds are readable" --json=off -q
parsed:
h=8 m=58
